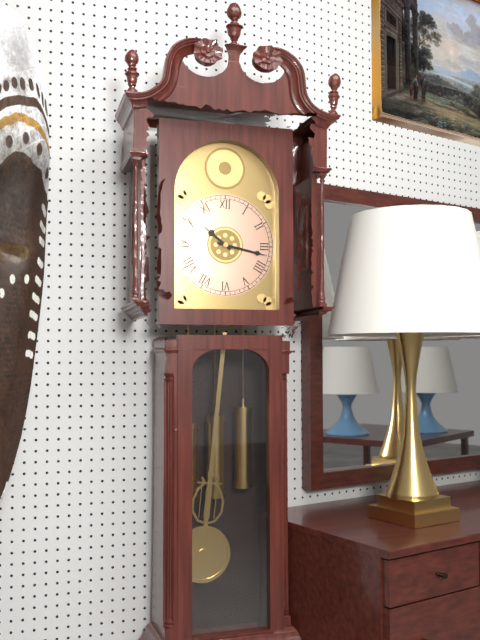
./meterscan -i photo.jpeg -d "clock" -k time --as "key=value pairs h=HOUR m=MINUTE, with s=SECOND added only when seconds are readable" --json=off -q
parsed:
h=10 m=17
